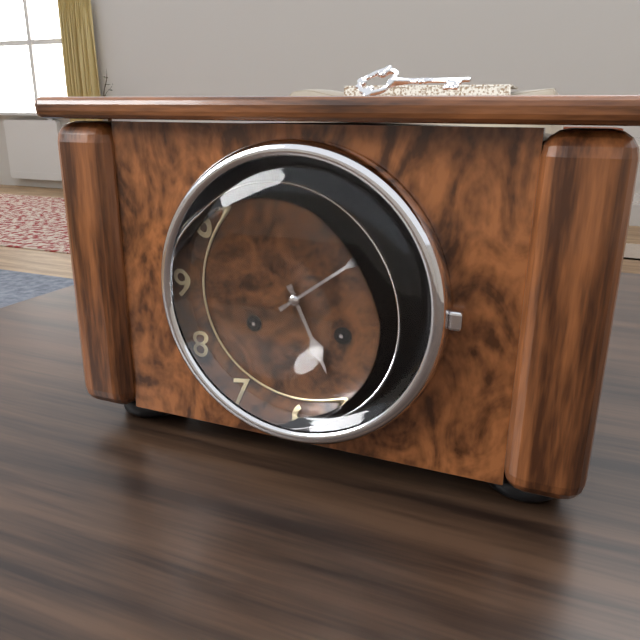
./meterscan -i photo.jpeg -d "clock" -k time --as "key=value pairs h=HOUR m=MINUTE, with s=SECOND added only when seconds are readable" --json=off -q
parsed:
h=5 m=9
